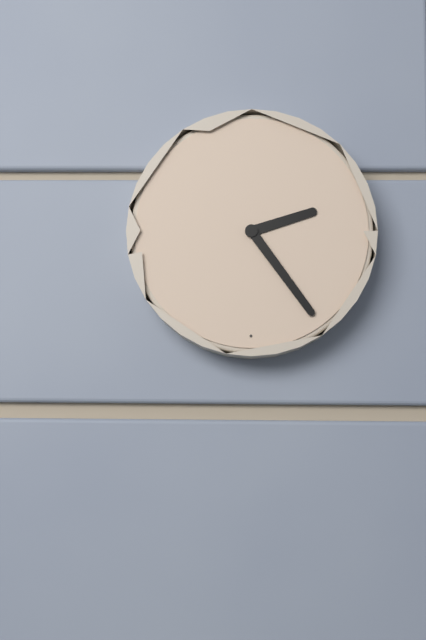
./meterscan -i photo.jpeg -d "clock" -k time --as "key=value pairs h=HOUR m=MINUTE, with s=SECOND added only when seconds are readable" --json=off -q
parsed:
h=2 m=24
